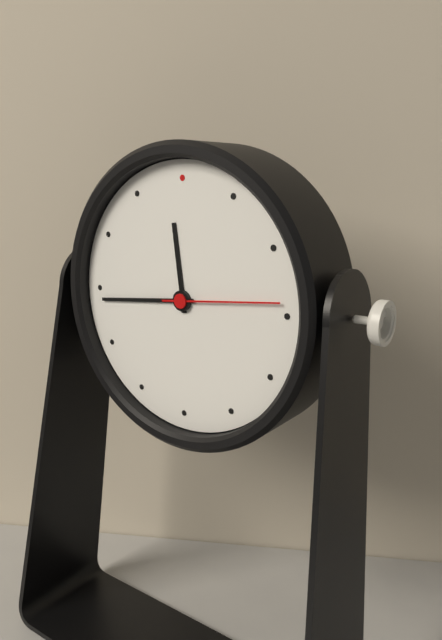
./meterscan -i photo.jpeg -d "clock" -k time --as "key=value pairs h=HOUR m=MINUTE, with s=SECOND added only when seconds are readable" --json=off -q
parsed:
h=11 m=44 s=14
